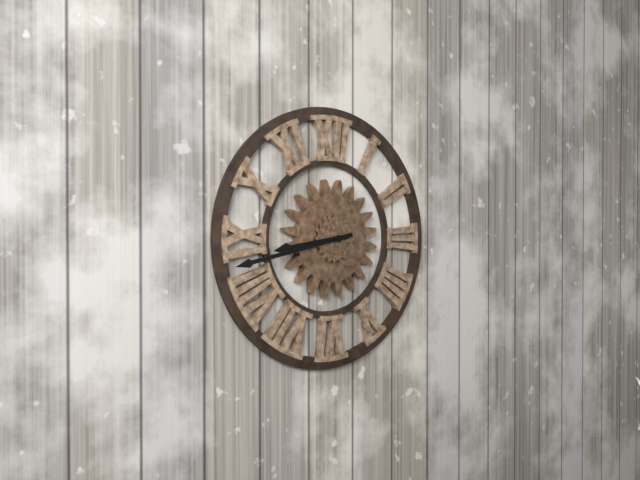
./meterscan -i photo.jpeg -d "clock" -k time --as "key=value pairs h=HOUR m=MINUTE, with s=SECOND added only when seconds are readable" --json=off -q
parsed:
h=8 m=43
